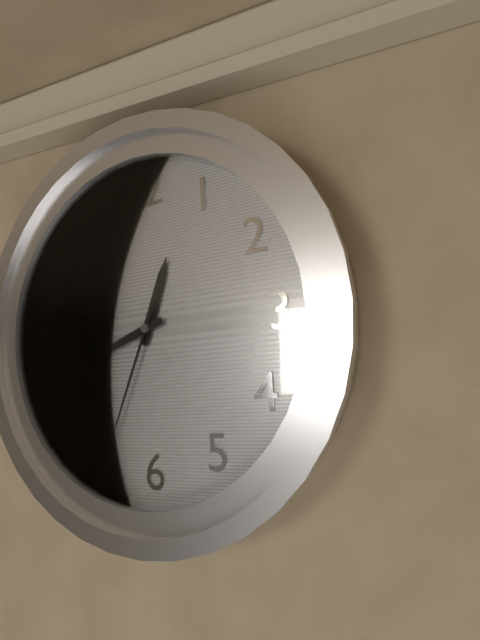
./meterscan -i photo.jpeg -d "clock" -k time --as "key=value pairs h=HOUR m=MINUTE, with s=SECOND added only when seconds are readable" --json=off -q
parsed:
h=12 m=42 s=34
